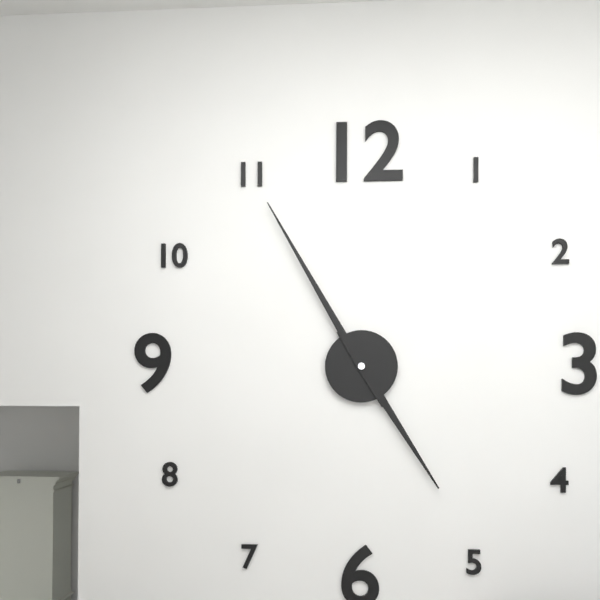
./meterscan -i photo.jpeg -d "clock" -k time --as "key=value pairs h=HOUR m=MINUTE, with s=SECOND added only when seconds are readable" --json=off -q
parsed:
h=4 m=55
